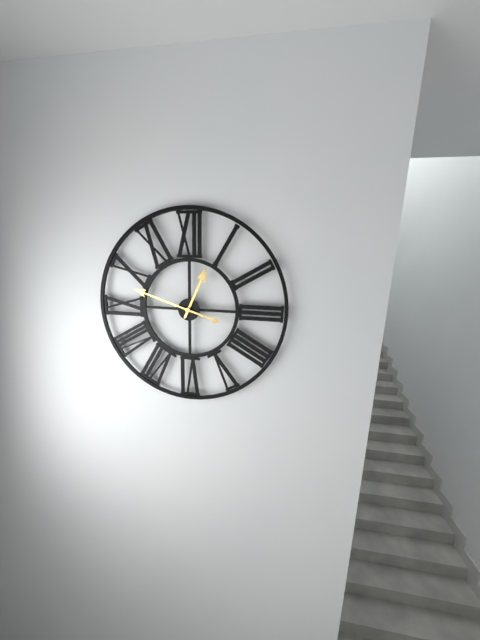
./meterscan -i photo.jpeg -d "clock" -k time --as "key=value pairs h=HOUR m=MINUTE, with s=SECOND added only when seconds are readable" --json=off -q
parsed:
h=12 m=48
